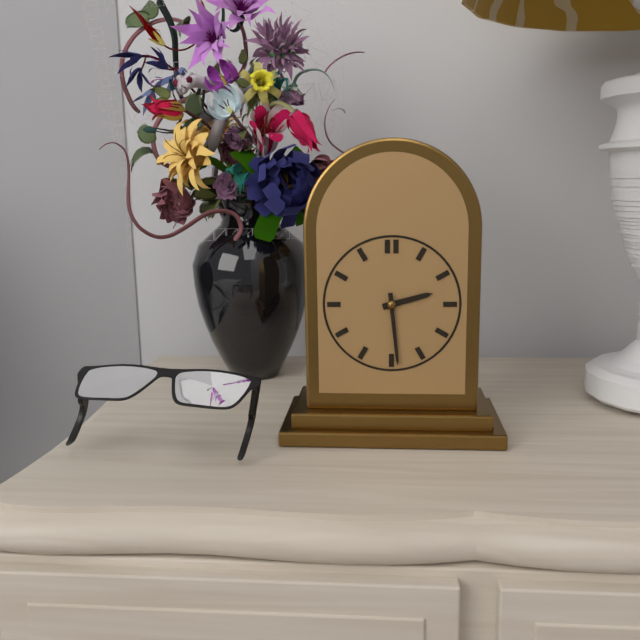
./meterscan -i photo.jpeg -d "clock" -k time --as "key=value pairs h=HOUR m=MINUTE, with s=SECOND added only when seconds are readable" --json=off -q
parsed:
h=2 m=29
